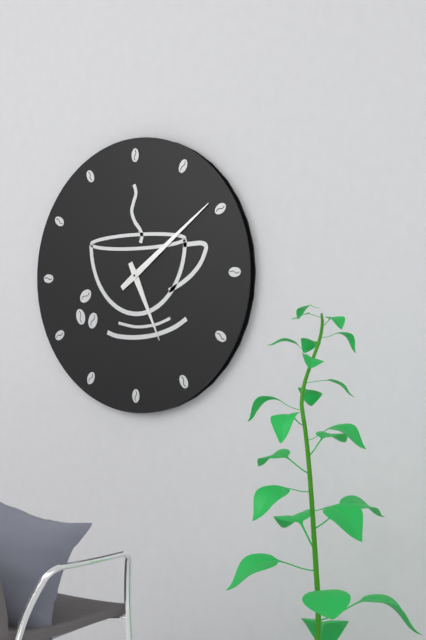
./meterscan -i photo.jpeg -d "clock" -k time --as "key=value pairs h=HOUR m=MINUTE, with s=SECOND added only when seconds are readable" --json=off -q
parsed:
h=5 m=9
